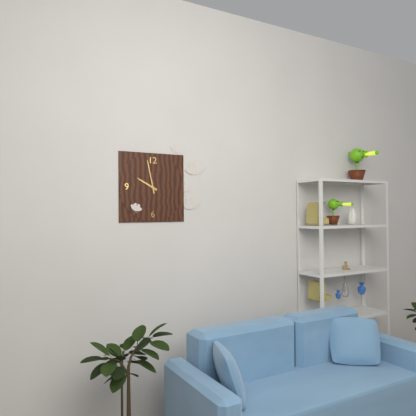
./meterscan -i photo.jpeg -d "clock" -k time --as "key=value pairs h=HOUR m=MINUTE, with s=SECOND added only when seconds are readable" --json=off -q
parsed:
h=9 m=58
